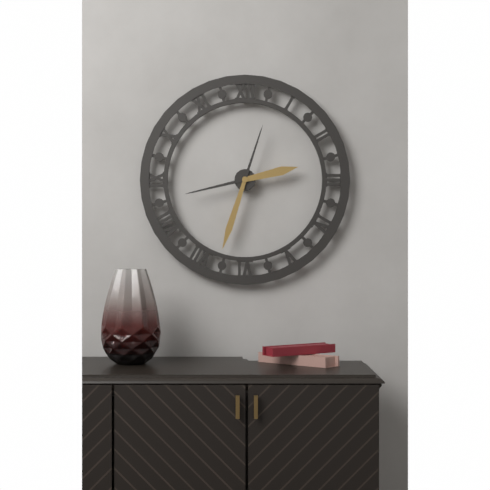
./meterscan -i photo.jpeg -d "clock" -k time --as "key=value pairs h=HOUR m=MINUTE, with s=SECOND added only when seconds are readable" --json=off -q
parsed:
h=2 m=33
